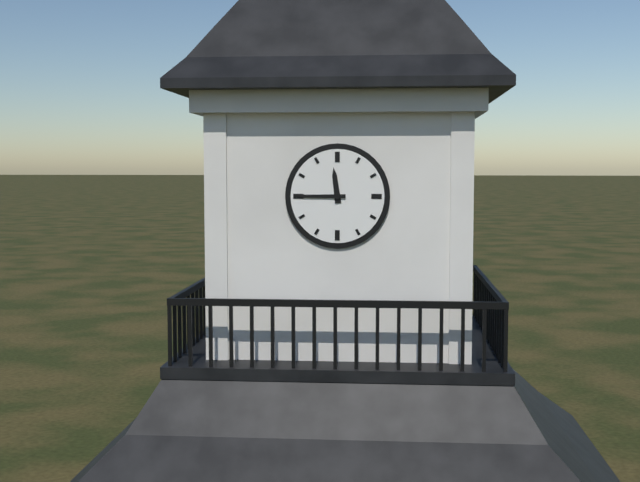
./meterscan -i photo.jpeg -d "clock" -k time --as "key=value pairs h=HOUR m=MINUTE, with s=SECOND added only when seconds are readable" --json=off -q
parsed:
h=11 m=45
